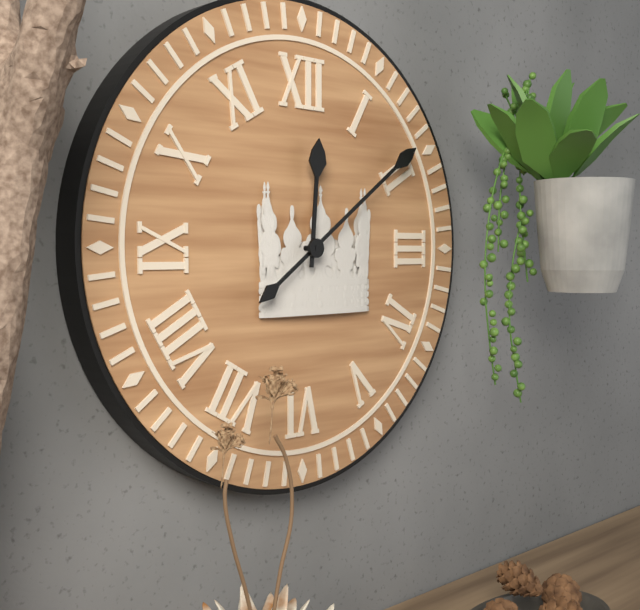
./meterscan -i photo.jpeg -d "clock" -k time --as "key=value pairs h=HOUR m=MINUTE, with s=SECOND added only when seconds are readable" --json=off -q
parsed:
h=12 m=9
